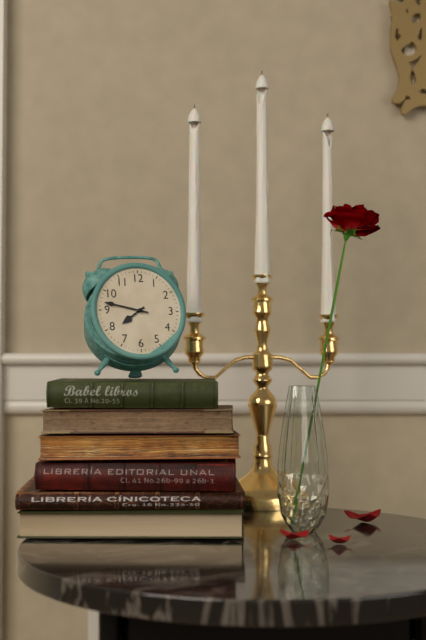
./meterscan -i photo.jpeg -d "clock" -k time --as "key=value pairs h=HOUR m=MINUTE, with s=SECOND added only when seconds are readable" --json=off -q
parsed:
h=7 m=47
